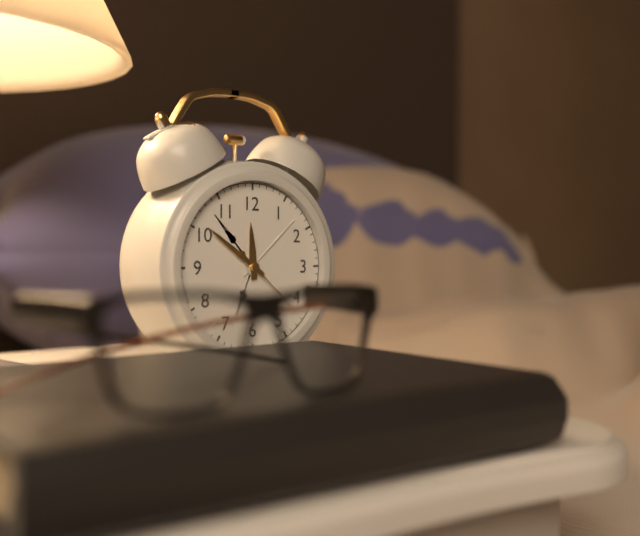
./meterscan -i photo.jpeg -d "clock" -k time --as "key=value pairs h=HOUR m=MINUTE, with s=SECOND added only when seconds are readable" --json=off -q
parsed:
h=11 m=51 s=22
